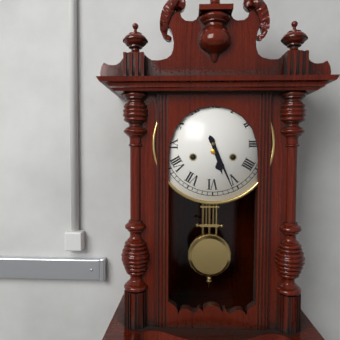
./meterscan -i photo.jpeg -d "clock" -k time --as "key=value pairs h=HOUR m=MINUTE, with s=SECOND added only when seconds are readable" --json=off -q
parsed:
h=5 m=26
